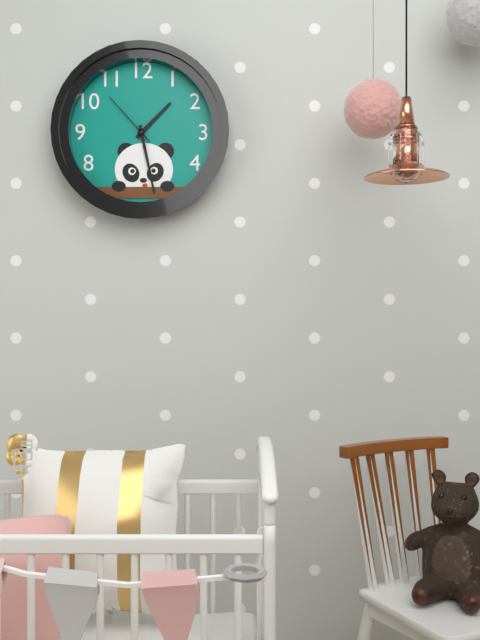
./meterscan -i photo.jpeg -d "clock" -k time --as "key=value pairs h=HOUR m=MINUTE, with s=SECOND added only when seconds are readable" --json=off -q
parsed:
h=1 m=28 s=53
